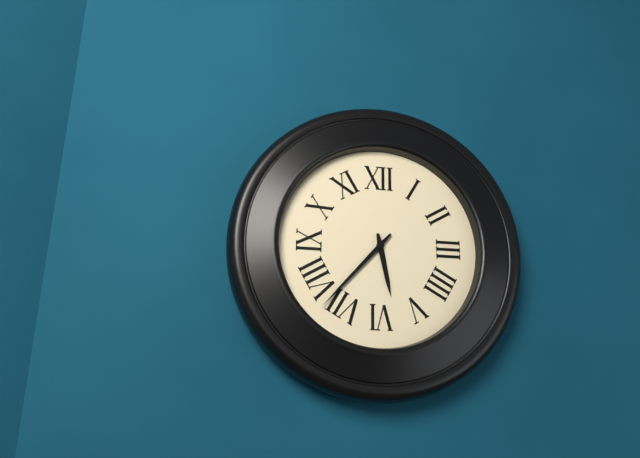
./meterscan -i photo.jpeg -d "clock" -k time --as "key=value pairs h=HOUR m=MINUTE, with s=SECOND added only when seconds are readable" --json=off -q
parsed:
h=5 m=37
